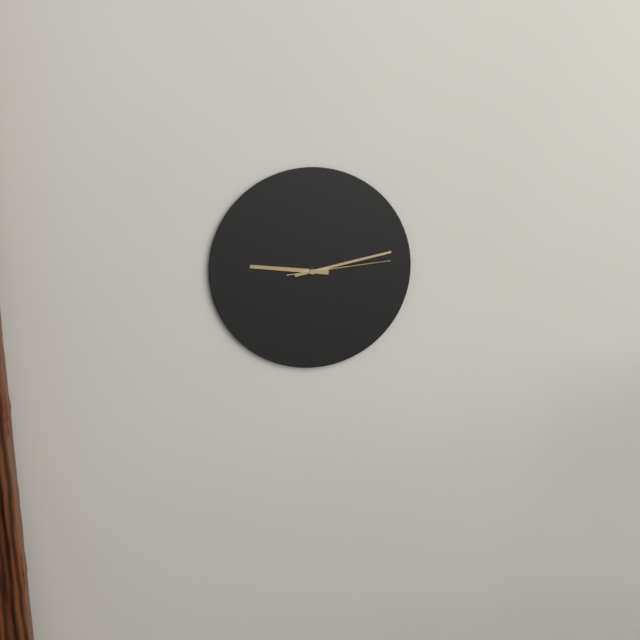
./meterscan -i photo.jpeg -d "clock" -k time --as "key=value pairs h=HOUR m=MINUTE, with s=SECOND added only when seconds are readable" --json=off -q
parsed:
h=9 m=13 s=14
